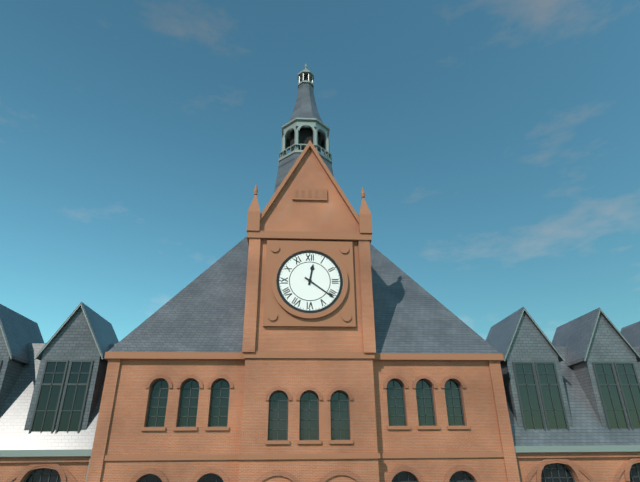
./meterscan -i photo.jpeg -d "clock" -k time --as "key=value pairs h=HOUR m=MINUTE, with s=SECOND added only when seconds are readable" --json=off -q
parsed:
h=12 m=21
